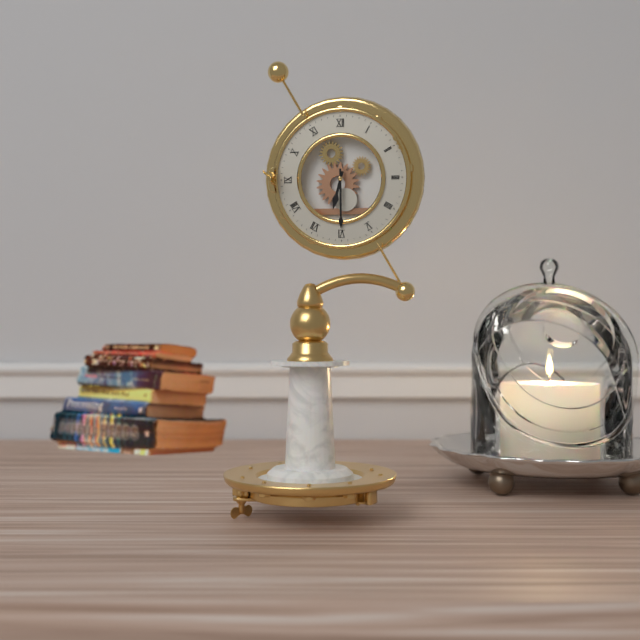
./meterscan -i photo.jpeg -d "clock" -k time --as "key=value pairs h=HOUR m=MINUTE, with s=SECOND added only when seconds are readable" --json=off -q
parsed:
h=6 m=30
